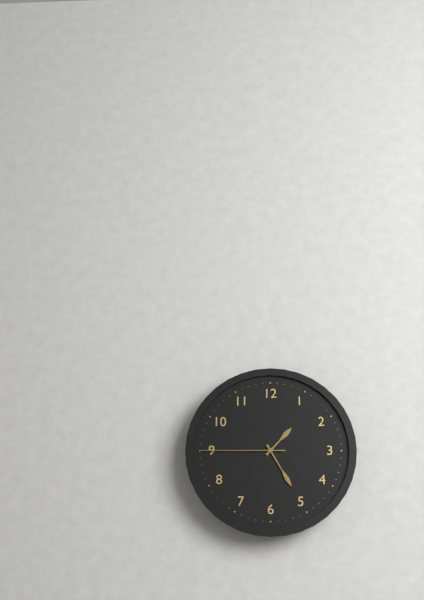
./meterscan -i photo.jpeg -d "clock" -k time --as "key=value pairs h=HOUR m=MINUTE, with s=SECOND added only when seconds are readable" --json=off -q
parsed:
h=1 m=25 s=45
